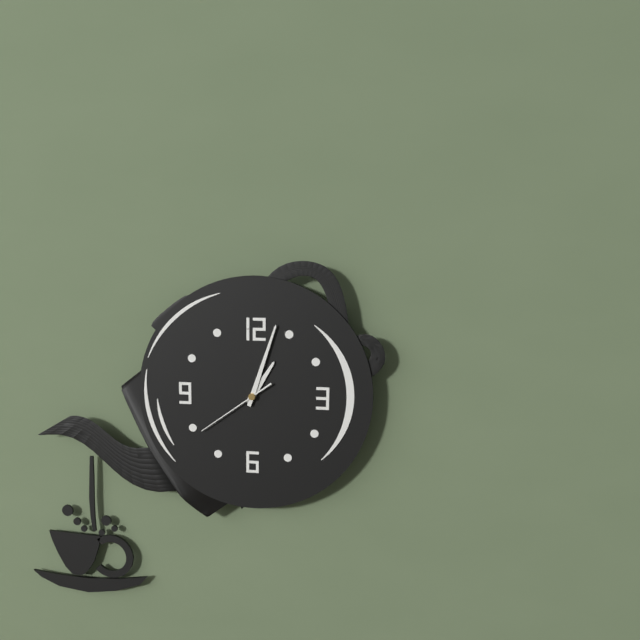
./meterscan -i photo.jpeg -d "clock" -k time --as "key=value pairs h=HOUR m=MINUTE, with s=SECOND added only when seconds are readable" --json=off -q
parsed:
h=1 m=3 s=39
